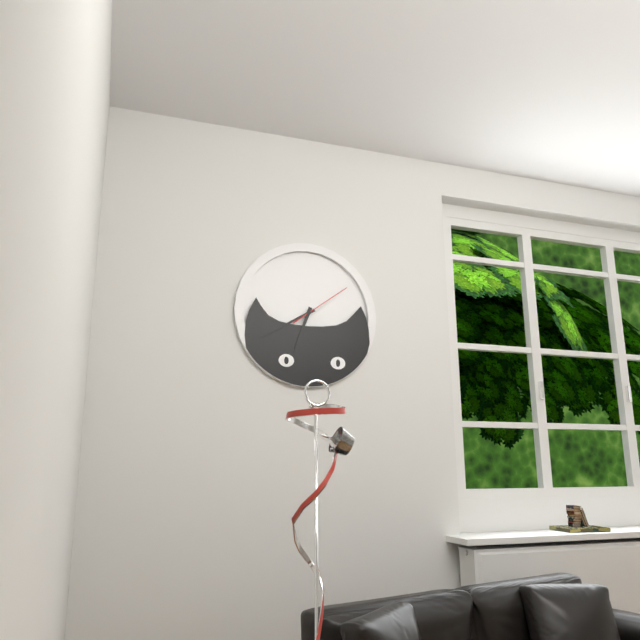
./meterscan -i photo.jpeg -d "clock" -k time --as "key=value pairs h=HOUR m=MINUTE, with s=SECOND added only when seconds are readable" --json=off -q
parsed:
h=6 m=40 s=9
